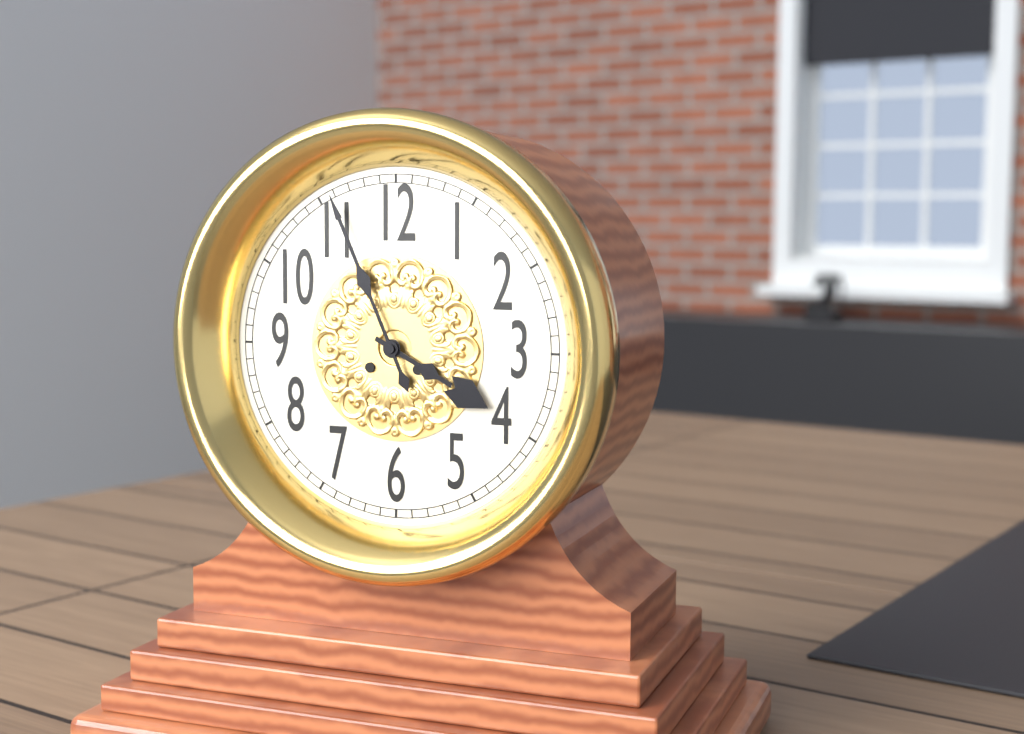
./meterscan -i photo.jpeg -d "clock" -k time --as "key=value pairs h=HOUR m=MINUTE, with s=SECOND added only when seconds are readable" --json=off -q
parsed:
h=3 m=56
